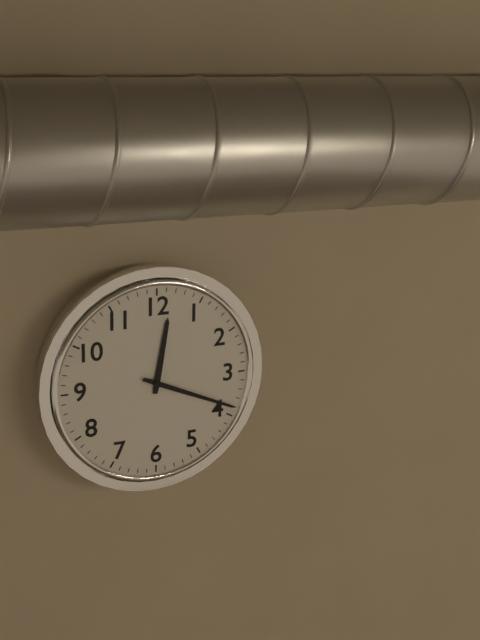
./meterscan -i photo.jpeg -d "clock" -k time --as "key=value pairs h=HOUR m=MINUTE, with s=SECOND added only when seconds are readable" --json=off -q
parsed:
h=12 m=19
